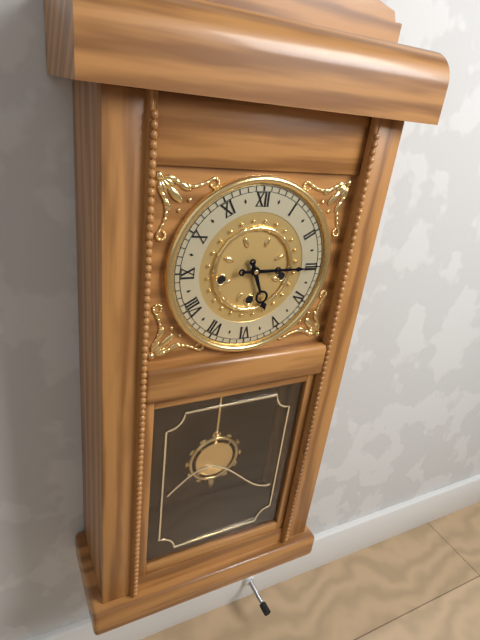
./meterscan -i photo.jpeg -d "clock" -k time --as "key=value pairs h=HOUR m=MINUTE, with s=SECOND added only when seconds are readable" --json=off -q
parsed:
h=5 m=15
